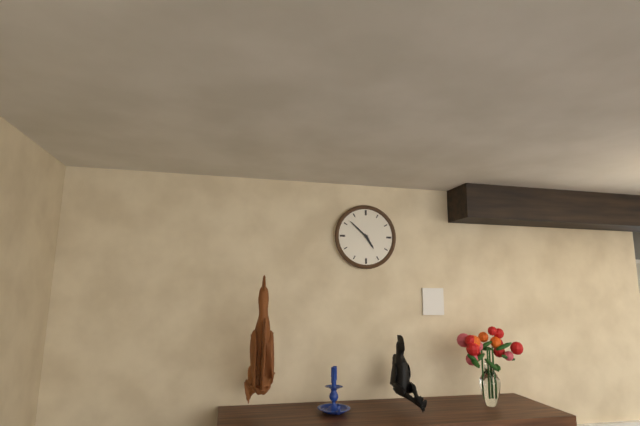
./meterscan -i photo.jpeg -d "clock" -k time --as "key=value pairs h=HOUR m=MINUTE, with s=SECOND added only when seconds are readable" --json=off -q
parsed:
h=4 m=52
